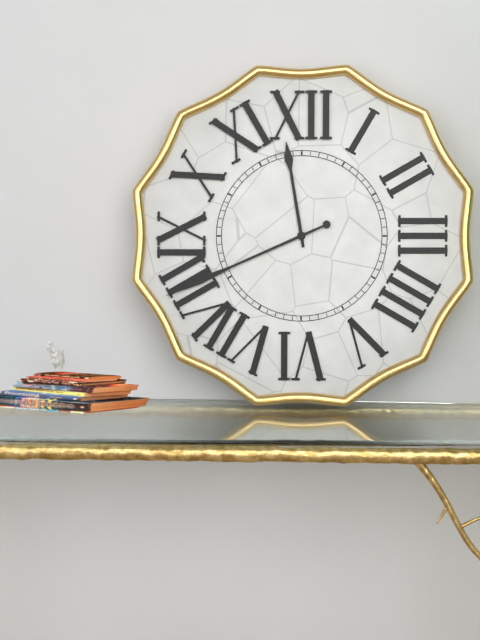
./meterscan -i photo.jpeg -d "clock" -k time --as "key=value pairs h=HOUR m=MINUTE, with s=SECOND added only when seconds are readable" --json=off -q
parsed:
h=11 m=41
